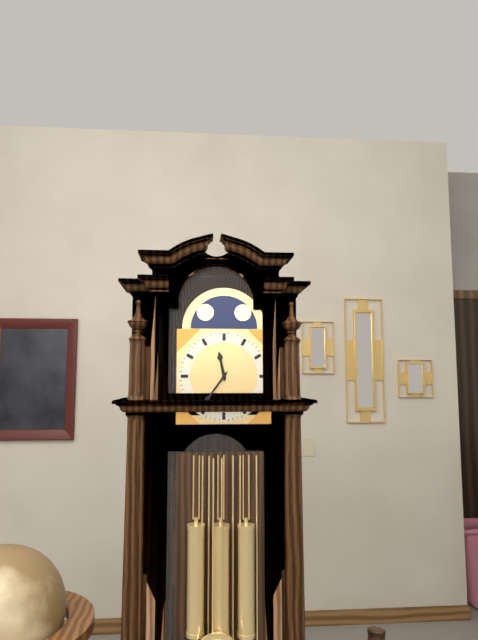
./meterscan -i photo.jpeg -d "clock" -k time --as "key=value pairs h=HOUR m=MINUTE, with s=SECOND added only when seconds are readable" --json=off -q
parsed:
h=11 m=36
